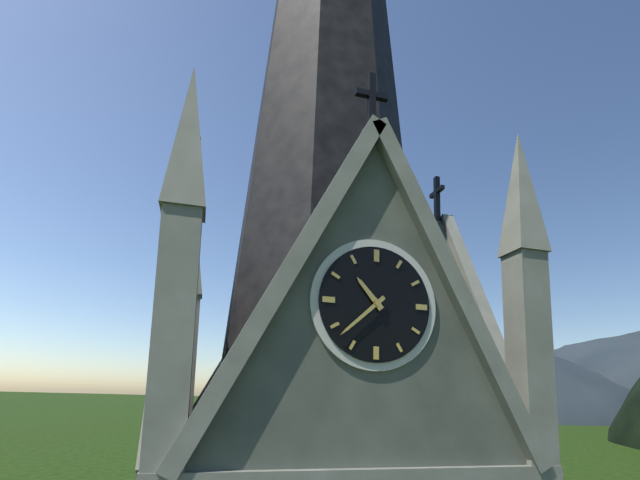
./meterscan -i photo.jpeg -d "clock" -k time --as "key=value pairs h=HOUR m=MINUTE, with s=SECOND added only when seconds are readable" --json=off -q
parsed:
h=10 m=38
